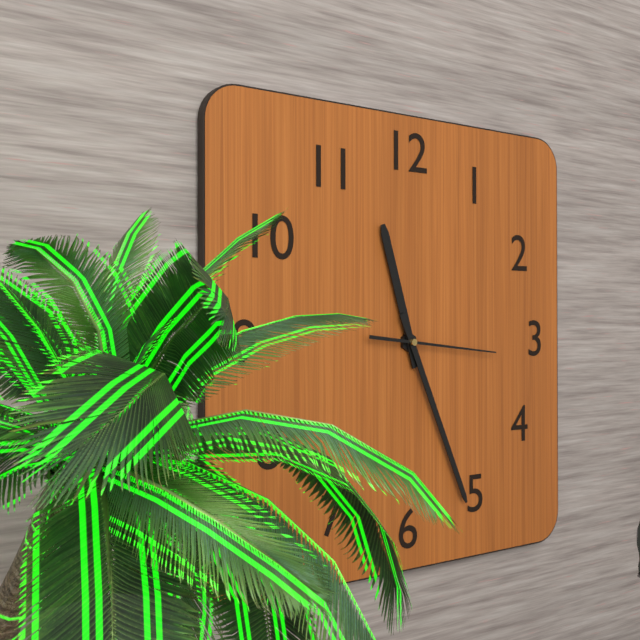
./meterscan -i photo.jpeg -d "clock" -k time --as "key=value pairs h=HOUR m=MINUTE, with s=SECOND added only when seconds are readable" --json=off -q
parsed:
h=11 m=26 s=16
